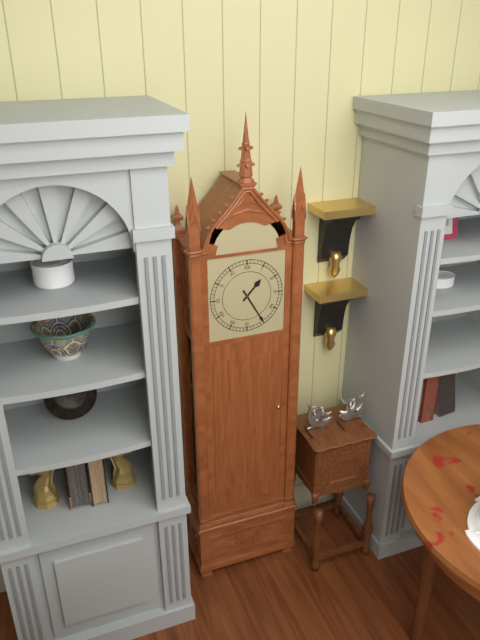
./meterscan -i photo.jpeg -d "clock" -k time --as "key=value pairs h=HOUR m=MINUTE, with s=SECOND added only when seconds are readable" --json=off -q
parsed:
h=1 m=25
